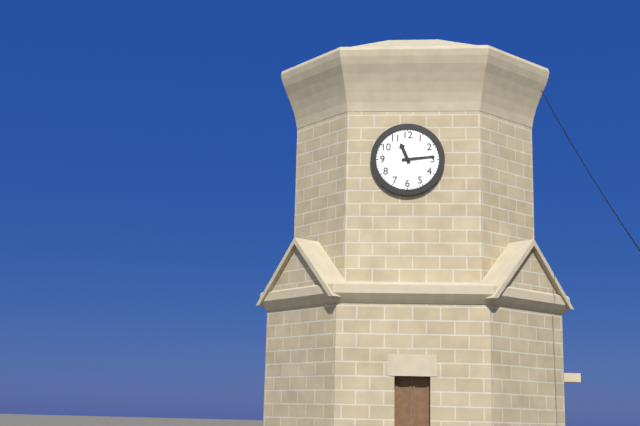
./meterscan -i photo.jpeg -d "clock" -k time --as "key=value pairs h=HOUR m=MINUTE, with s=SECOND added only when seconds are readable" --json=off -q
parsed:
h=11 m=14
